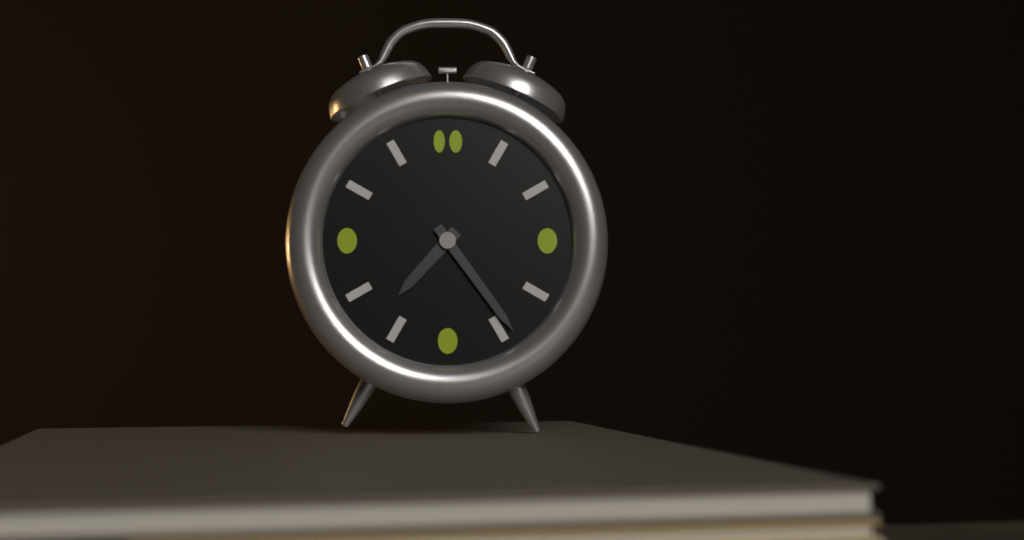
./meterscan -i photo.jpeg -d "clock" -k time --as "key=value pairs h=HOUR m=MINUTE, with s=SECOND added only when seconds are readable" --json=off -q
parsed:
h=7 m=24
